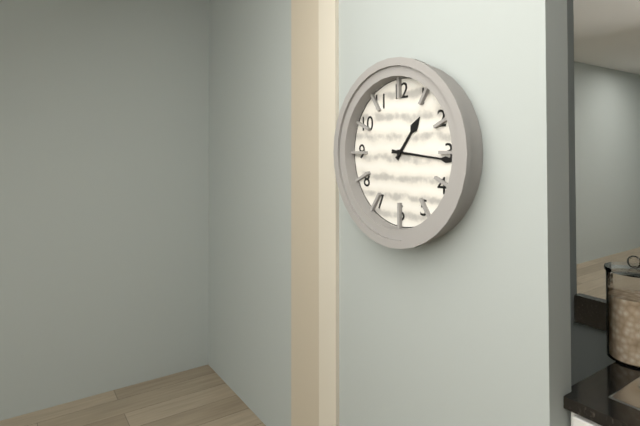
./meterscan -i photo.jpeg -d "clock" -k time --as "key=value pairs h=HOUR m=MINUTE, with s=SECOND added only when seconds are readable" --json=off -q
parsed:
h=1 m=16
